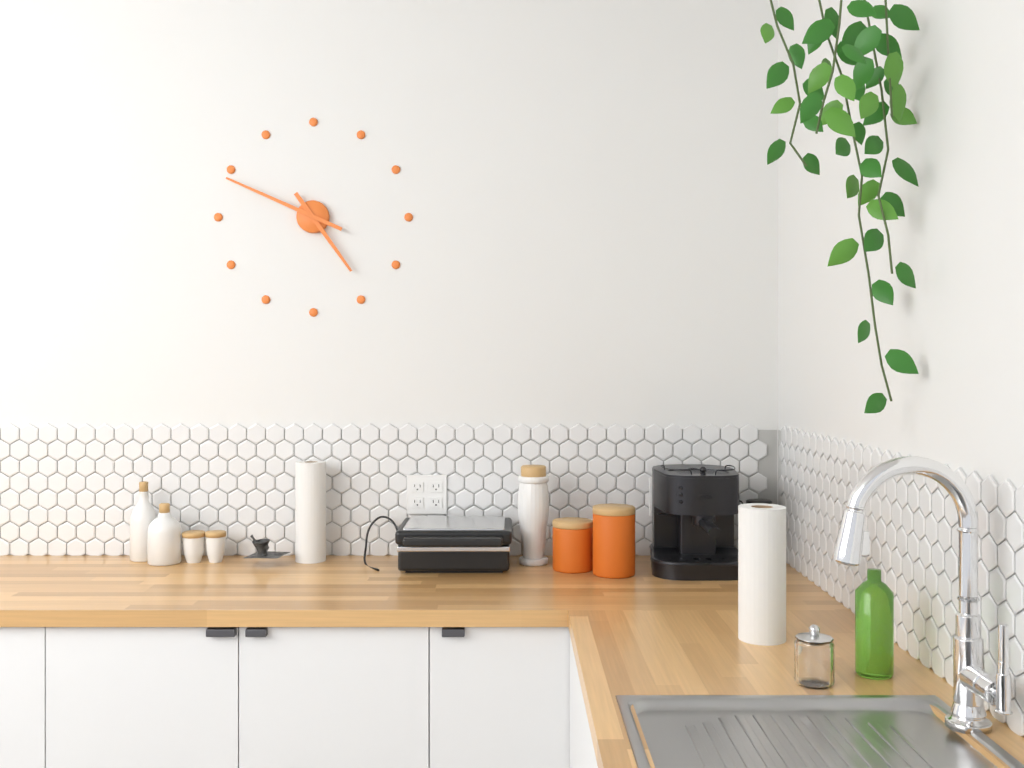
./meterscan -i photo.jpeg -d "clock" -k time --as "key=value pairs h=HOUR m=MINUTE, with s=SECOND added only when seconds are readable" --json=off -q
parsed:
h=4 m=49
